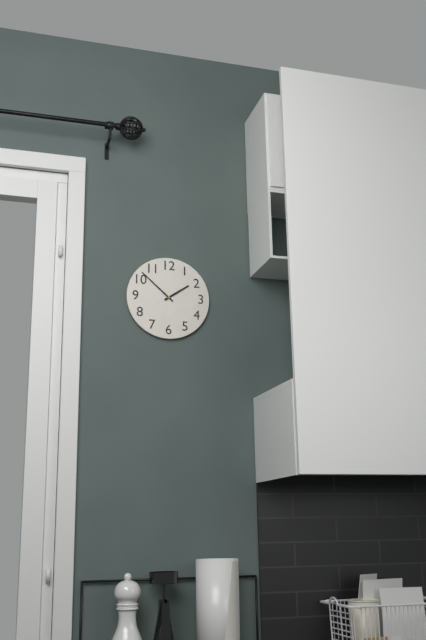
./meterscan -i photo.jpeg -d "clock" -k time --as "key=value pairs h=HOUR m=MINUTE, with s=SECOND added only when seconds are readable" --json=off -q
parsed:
h=1 m=52
